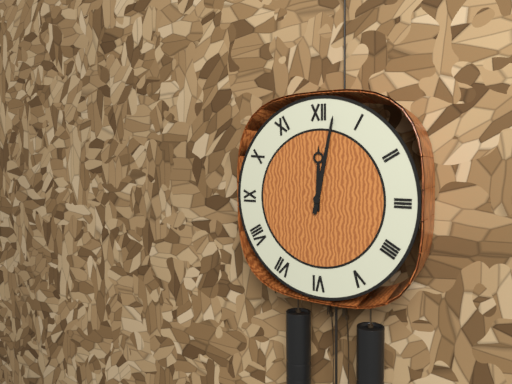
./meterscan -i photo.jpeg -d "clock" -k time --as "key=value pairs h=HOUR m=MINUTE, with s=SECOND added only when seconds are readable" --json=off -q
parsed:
h=12 m=2
